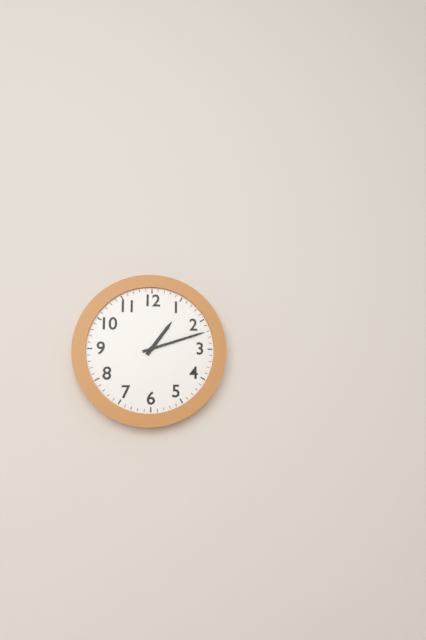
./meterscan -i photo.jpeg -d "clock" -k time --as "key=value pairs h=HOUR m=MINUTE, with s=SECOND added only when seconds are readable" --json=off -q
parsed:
h=1 m=12
